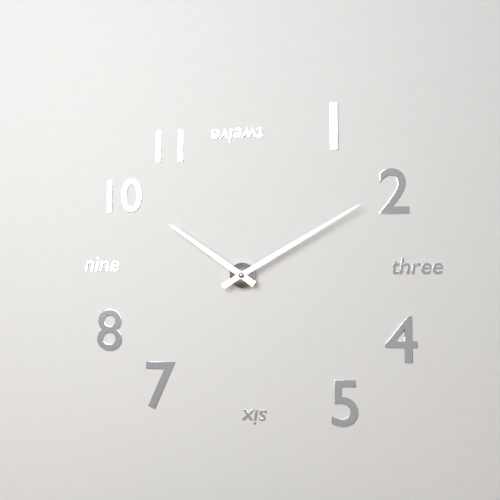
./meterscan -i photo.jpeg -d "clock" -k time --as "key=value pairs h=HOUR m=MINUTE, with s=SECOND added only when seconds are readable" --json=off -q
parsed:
h=10 m=10
